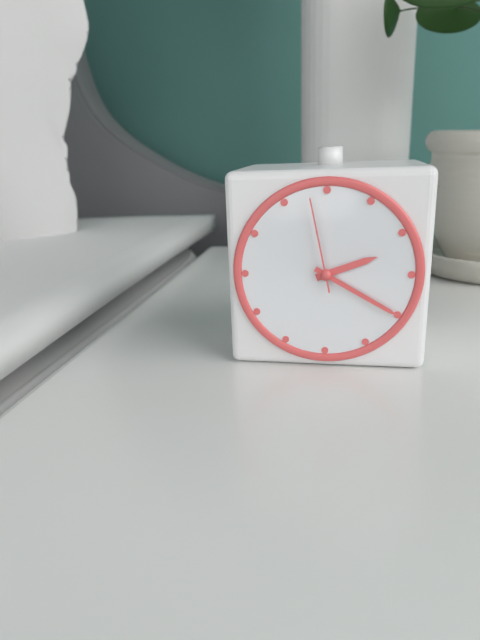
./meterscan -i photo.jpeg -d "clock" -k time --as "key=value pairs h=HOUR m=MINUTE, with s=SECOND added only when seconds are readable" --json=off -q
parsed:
h=2 m=20 s=58
